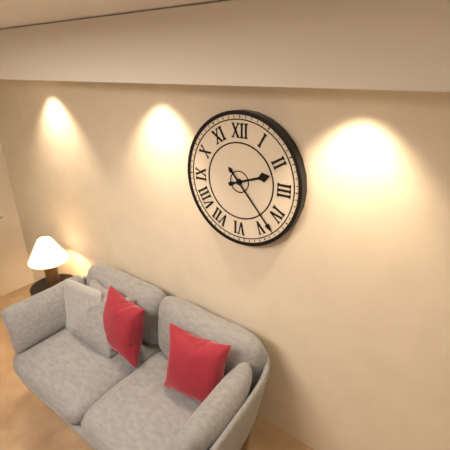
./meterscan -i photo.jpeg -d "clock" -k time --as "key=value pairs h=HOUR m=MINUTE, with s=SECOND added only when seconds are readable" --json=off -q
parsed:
h=2 m=23
